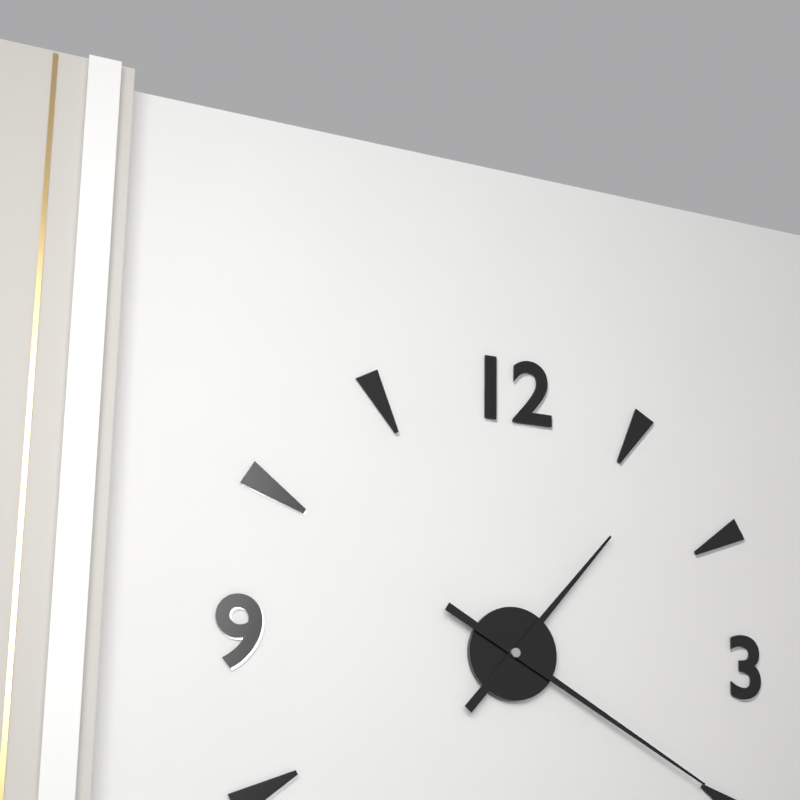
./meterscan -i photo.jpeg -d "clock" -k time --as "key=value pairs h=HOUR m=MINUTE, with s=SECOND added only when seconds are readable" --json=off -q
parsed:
h=1 m=20
